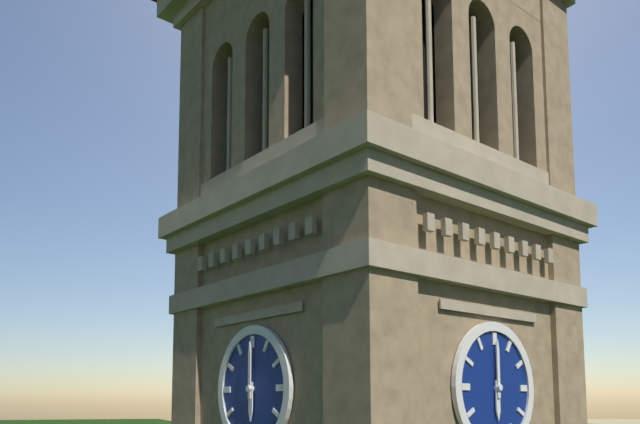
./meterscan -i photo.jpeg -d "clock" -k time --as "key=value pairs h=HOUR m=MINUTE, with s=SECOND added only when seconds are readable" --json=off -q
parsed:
h=6 m=0
